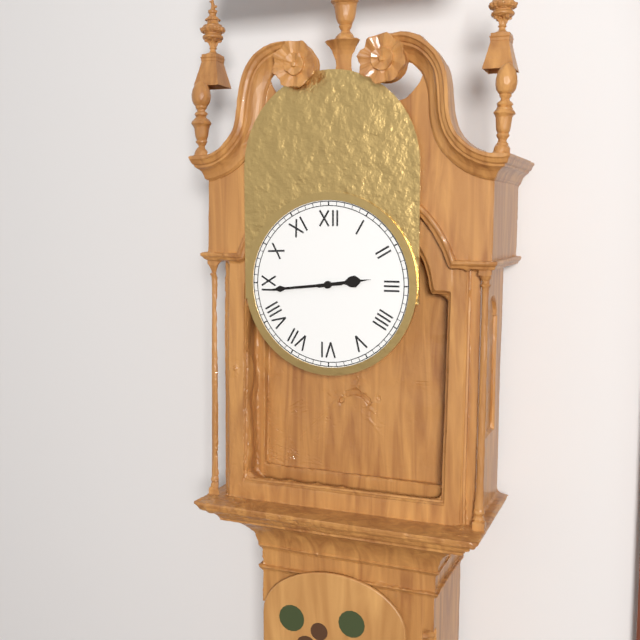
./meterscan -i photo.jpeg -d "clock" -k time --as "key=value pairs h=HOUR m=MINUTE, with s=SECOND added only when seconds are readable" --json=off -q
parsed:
h=2 m=44
